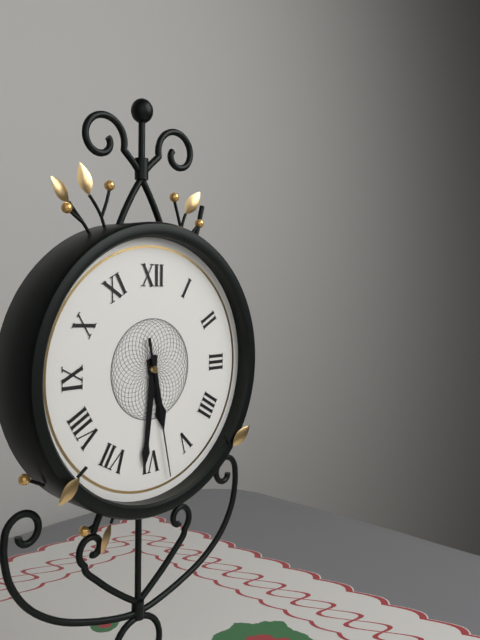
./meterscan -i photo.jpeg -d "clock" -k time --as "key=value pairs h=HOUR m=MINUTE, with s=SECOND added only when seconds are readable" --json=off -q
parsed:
h=5 m=31 s=28
